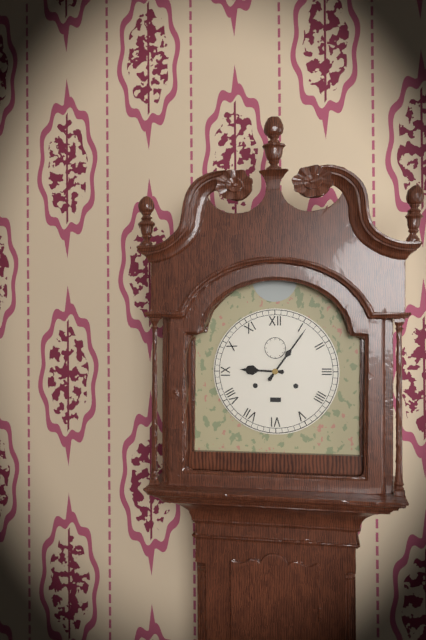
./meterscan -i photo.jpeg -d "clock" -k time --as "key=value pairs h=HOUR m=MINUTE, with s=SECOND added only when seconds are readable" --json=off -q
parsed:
h=9 m=6
